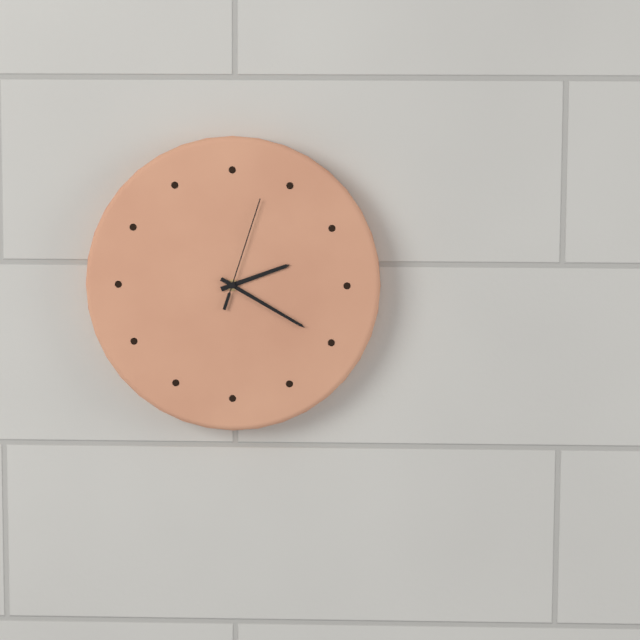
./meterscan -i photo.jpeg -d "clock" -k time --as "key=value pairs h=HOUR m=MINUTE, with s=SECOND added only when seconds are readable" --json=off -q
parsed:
h=2 m=20 s=3
